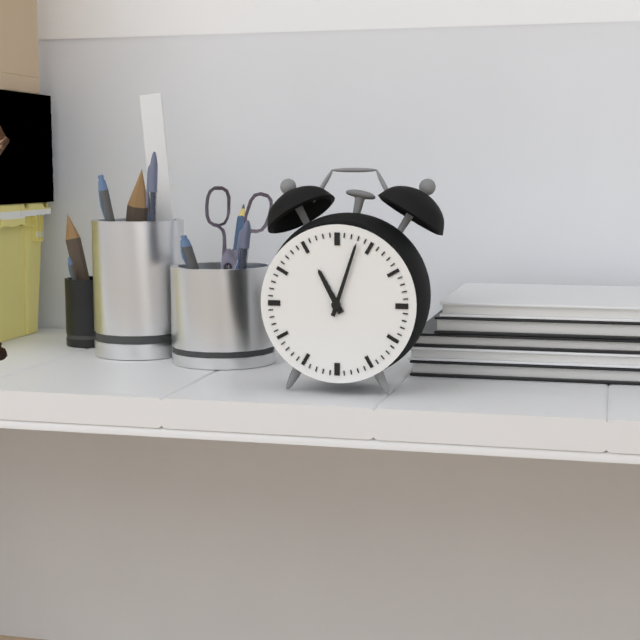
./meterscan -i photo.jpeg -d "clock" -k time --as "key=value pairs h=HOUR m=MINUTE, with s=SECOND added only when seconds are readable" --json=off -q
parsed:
h=11 m=3
